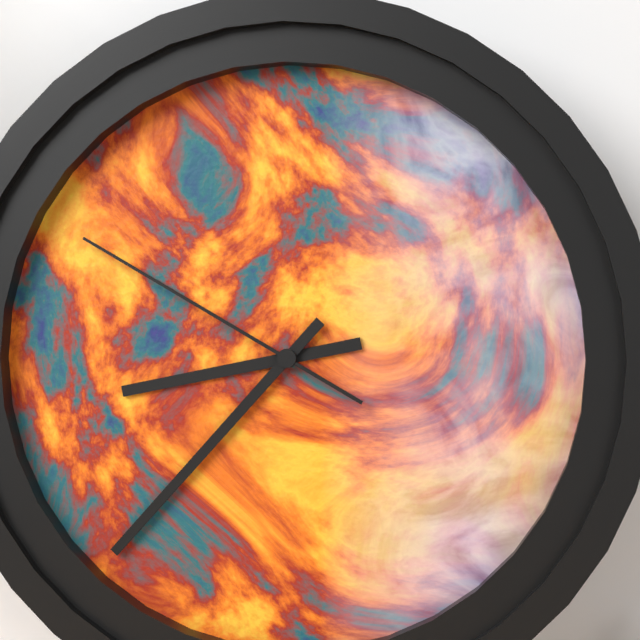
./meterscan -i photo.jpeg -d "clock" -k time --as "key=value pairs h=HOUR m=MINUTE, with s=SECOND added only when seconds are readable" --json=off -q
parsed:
h=8 m=37 s=50
